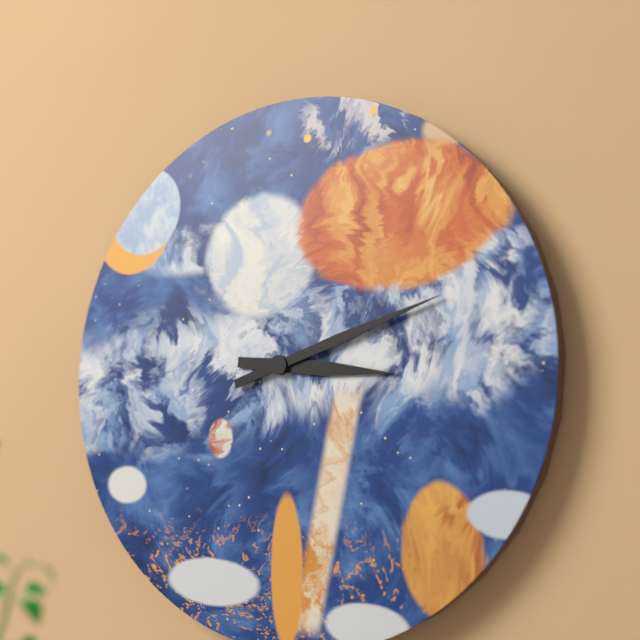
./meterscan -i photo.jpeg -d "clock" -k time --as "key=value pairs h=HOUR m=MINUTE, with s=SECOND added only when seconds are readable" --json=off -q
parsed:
h=3 m=12
